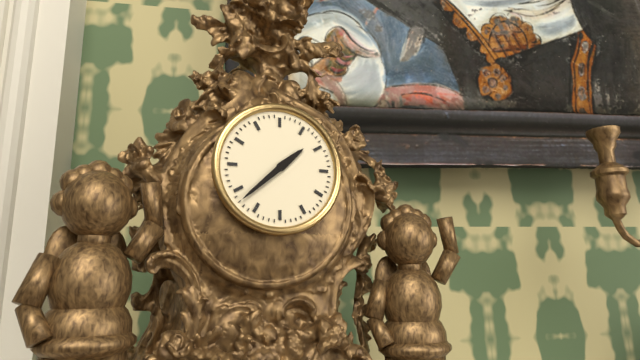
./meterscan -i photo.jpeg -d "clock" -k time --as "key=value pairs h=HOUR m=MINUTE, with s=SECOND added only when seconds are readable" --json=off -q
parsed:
h=1 m=38
